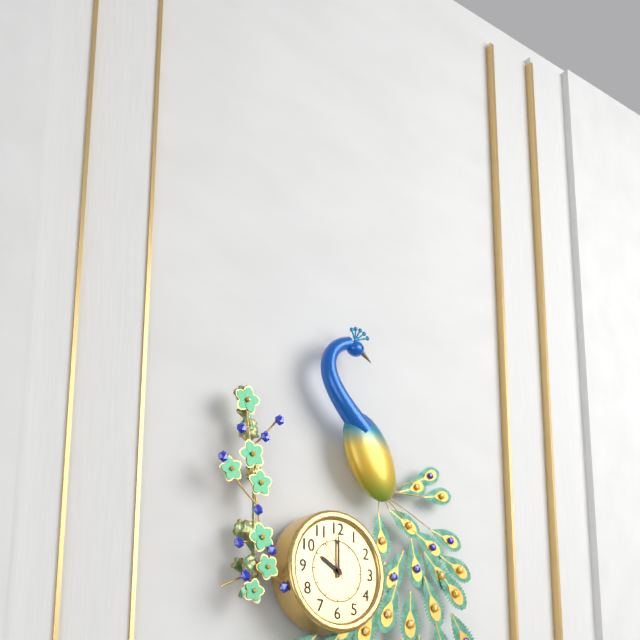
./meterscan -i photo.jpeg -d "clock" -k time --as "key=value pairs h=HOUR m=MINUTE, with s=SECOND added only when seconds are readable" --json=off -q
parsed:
h=10 m=0 s=55
